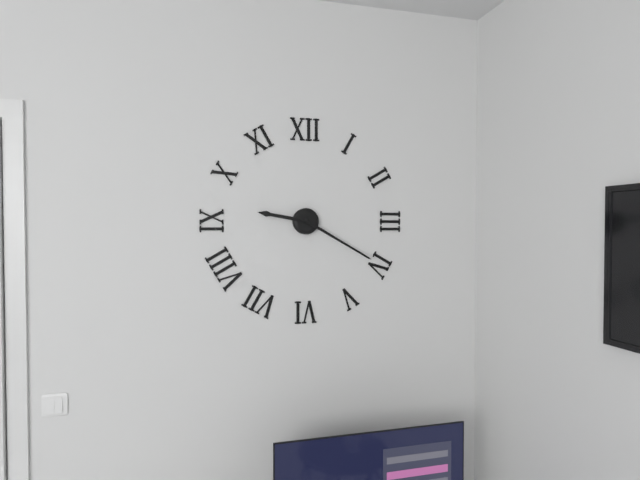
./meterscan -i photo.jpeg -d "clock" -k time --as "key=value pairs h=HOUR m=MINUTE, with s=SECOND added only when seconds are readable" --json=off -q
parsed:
h=9 m=20
